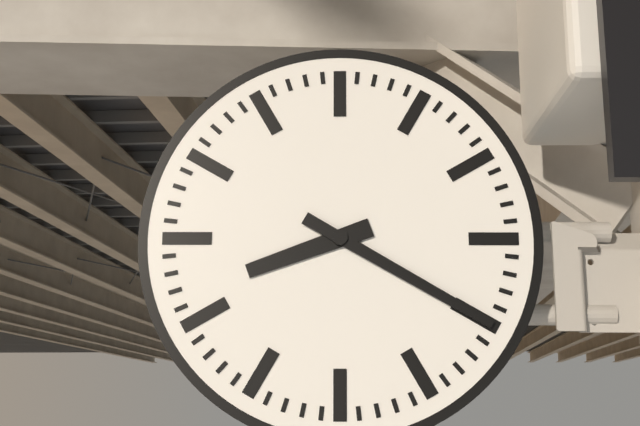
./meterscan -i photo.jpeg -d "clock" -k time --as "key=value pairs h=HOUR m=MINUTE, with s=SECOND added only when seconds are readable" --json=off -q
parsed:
h=8 m=20
